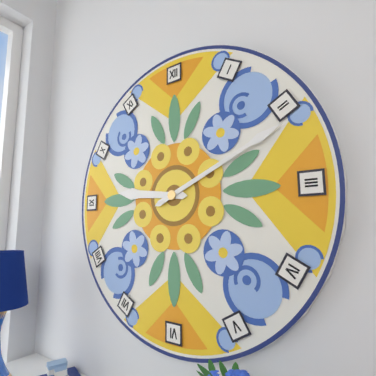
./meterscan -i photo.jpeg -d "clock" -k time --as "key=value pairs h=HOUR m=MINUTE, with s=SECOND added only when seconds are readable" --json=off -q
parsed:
h=9 m=11
